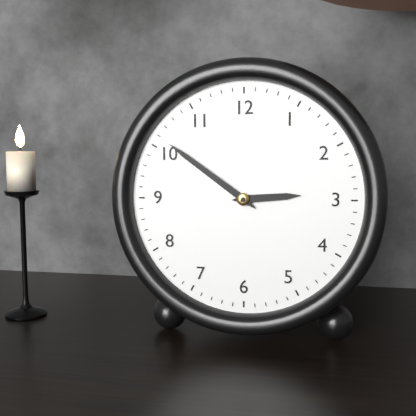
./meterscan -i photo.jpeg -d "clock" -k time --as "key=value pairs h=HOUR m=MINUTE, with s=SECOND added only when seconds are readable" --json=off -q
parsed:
h=2 m=51
